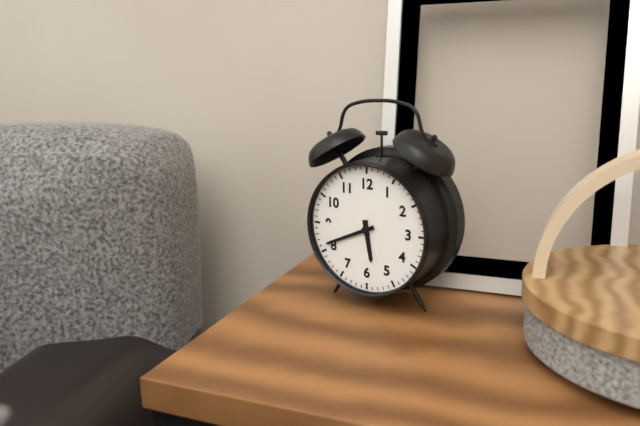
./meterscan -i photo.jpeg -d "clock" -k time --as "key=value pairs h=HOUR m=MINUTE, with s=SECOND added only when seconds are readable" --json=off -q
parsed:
h=5 m=41
